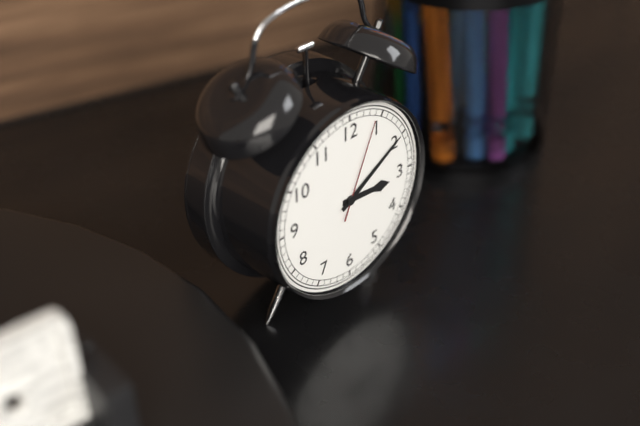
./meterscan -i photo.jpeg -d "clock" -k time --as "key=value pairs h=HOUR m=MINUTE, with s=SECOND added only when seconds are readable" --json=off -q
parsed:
h=3 m=10 s=4
